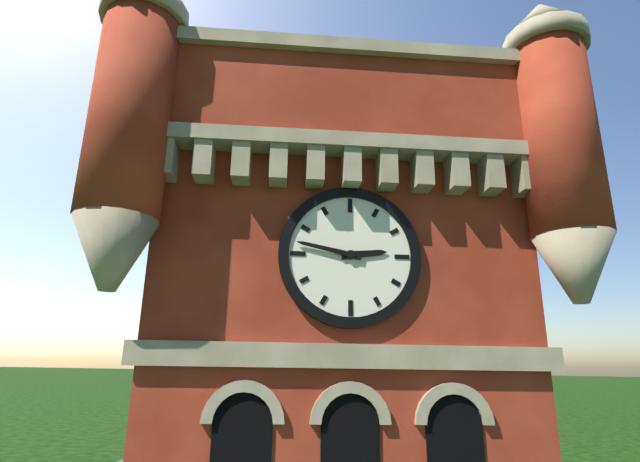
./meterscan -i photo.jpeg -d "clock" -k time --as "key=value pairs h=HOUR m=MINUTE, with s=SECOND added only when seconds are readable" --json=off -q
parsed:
h=2 m=47
